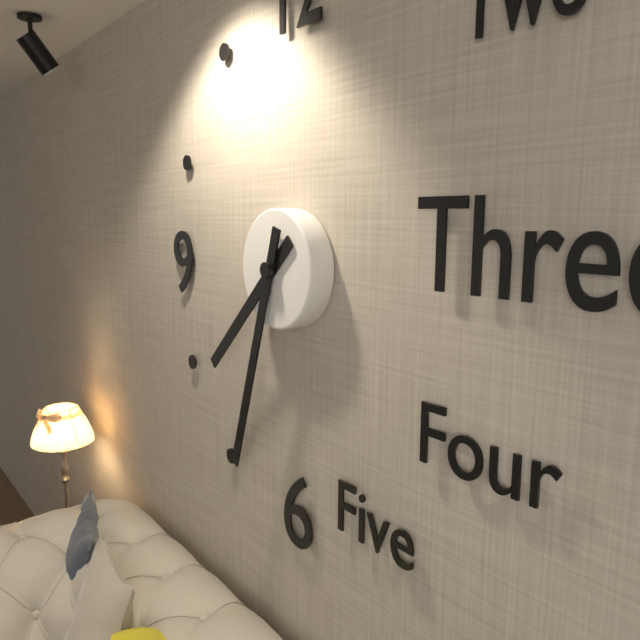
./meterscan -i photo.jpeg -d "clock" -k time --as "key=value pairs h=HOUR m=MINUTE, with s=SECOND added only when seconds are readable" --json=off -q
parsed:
h=7 m=33
